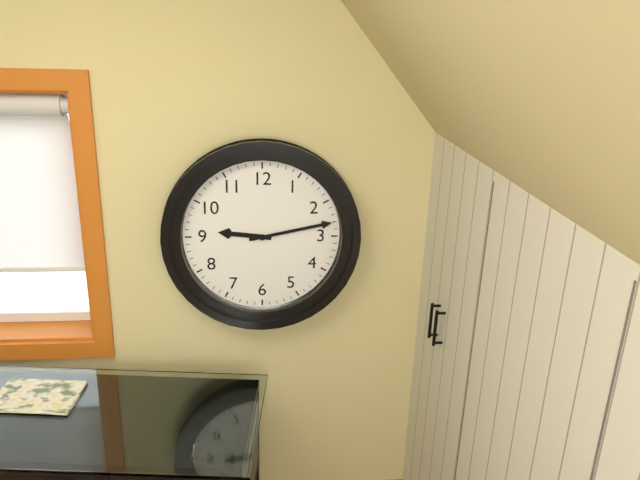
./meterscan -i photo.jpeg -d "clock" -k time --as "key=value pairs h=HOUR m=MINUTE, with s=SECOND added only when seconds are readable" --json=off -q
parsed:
h=9 m=13
